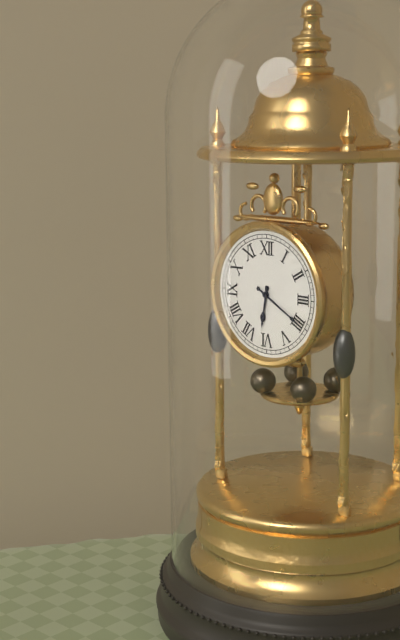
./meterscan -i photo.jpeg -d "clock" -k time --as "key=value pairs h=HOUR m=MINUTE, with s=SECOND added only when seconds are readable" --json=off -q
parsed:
h=6 m=20
